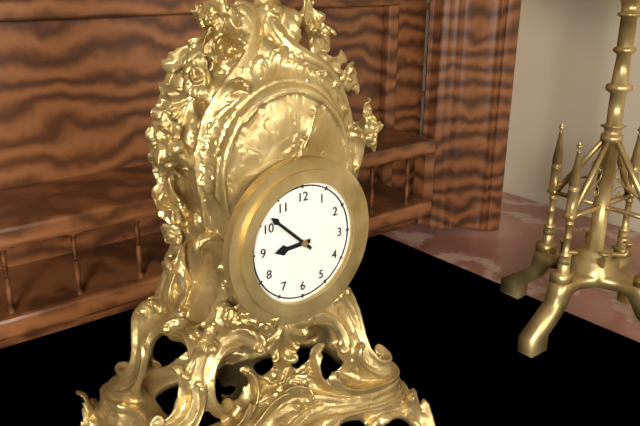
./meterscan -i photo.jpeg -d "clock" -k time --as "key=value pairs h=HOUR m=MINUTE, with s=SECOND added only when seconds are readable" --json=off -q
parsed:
h=8 m=52
